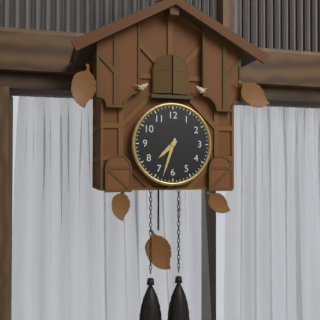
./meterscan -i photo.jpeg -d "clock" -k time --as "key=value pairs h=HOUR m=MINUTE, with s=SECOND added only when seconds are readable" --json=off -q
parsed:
h=7 m=33
